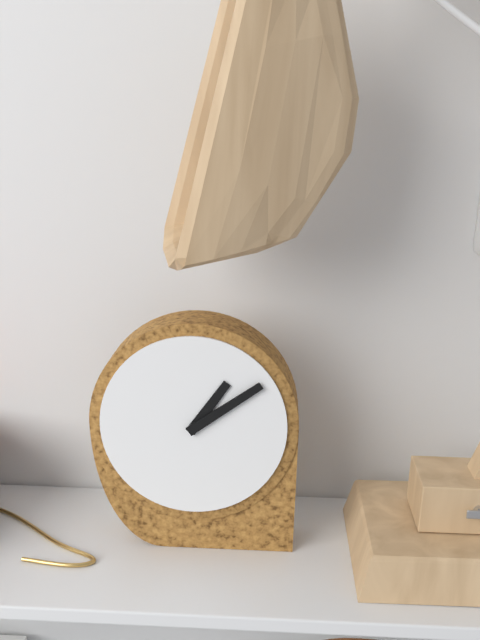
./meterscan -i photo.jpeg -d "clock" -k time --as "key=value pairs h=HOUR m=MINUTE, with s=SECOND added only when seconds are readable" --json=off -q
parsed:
h=1 m=9
